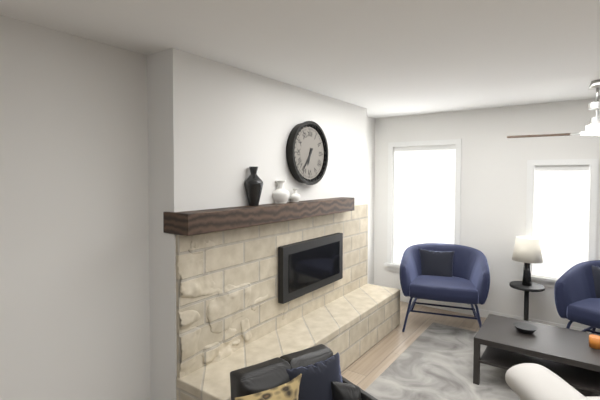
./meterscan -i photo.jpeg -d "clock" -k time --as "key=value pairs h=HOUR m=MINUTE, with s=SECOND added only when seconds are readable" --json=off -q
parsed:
h=6 m=36
